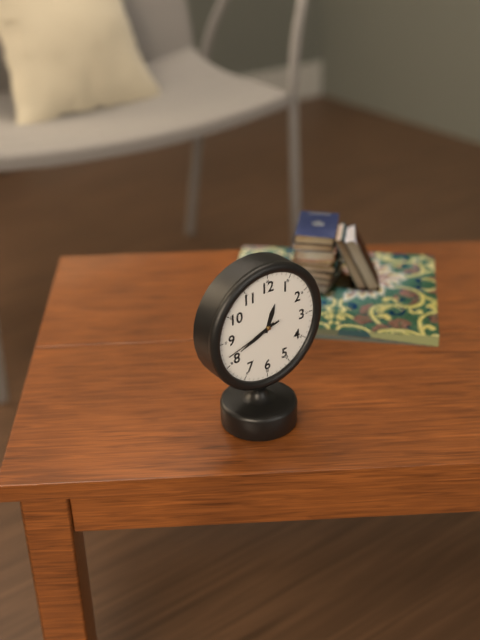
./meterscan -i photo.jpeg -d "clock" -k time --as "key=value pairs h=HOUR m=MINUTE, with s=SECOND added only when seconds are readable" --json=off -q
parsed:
h=12 m=41 s=42
